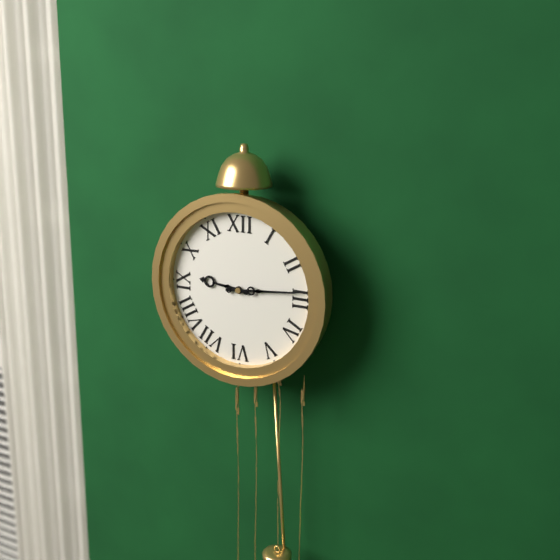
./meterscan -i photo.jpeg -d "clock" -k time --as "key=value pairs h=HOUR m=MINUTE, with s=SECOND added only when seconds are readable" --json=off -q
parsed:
h=9 m=14
